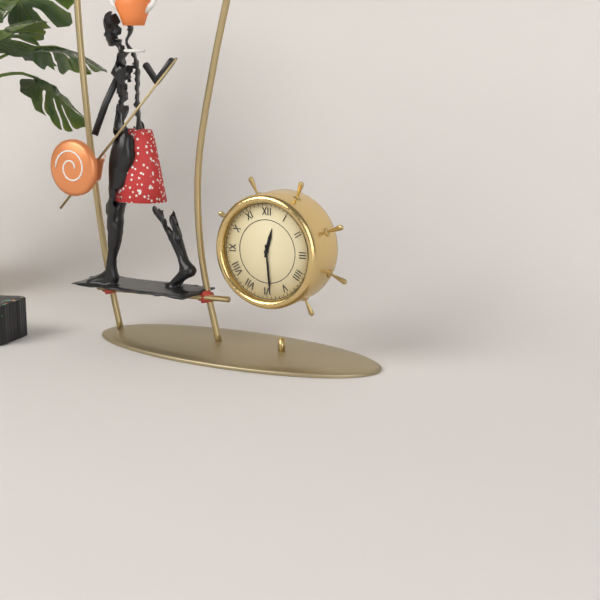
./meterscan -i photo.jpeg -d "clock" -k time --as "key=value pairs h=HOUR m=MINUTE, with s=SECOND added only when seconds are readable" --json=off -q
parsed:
h=12 m=29
